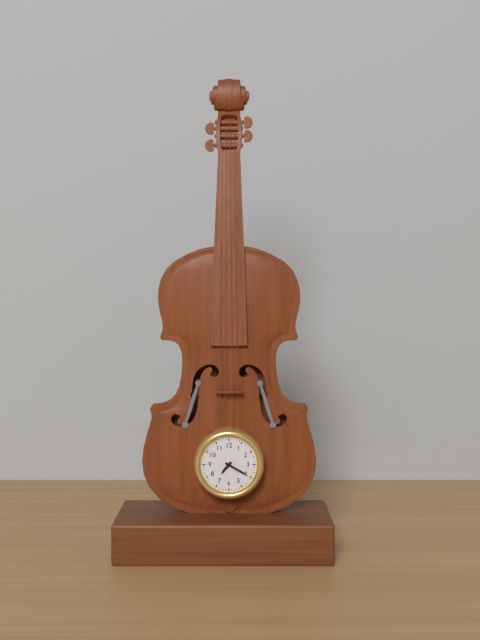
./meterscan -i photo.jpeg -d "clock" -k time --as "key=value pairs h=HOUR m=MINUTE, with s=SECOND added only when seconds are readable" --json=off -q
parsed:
h=7 m=20
